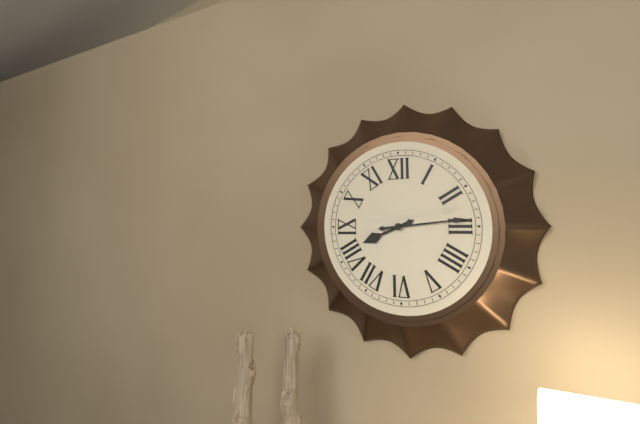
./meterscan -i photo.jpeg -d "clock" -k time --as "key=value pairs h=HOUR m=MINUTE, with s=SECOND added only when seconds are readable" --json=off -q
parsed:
h=8 m=14
